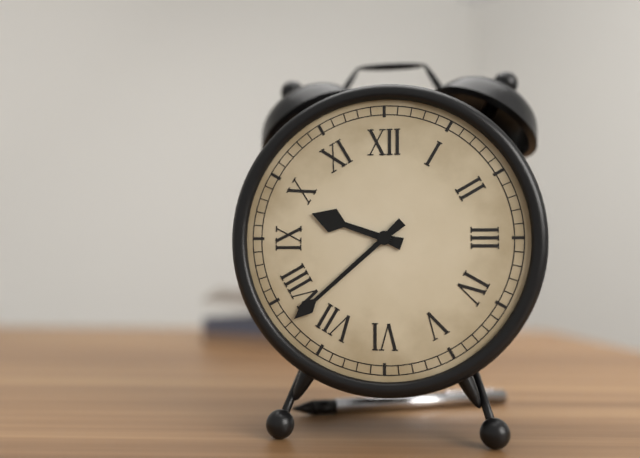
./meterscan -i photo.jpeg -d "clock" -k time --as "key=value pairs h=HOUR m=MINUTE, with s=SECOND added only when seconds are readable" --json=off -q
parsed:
h=9 m=38
